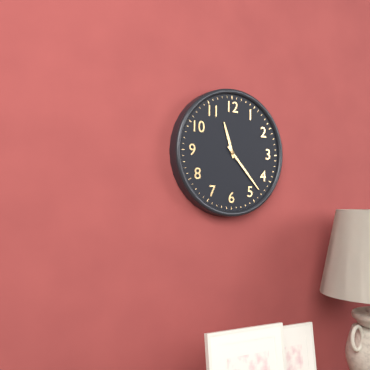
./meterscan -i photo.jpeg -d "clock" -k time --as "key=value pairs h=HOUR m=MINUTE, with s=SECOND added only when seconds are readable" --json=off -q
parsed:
h=11 m=23
